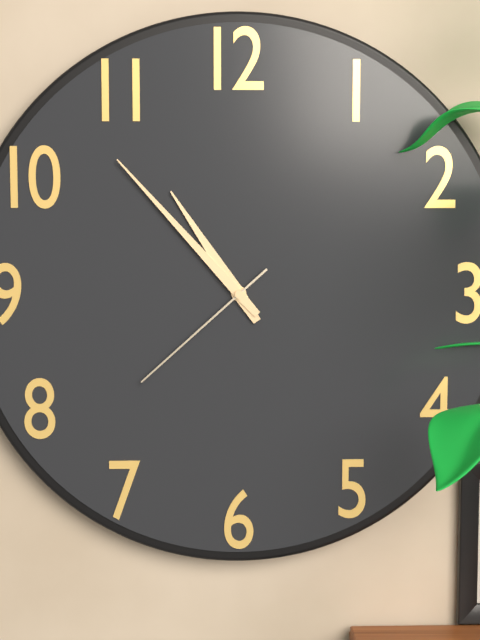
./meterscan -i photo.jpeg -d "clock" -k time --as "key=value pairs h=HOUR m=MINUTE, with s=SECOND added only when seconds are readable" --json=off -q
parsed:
h=10 m=53 s=38
